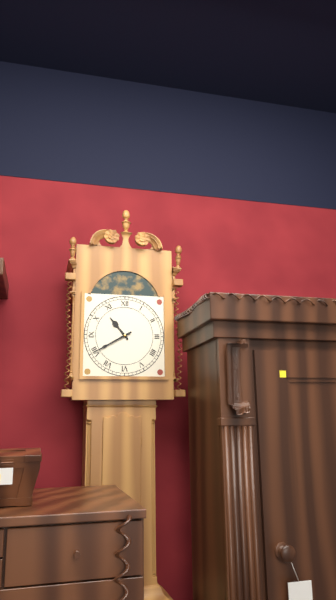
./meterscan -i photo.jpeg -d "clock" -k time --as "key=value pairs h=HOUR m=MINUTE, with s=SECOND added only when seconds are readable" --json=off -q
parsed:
h=10 m=40
